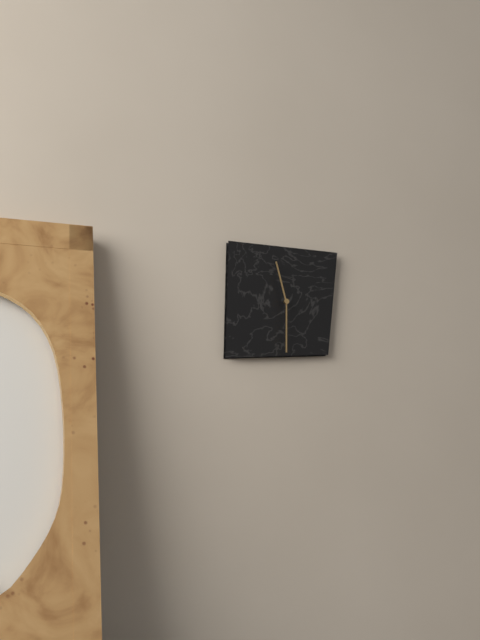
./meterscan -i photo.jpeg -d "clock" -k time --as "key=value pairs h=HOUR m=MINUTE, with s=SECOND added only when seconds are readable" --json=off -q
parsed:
h=11 m=30
